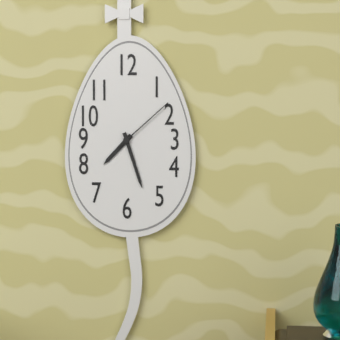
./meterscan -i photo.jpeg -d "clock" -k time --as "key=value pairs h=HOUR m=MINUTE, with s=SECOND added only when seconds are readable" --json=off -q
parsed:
h=7 m=27 s=8
